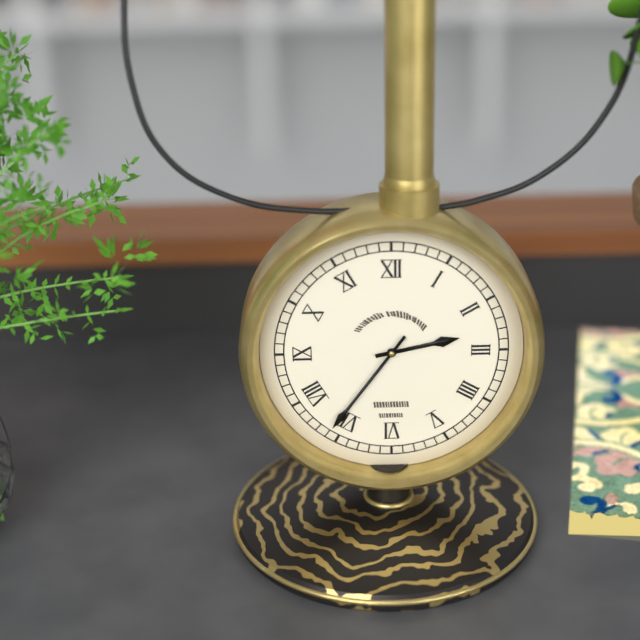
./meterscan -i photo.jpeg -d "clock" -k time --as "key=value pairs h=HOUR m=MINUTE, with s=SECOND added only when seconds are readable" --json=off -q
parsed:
h=2 m=36
